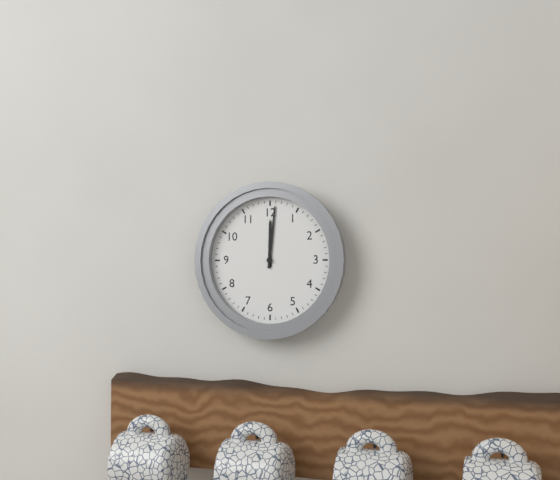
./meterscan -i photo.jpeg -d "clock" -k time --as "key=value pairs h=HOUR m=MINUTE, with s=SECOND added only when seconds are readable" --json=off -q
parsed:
h=12 m=1
